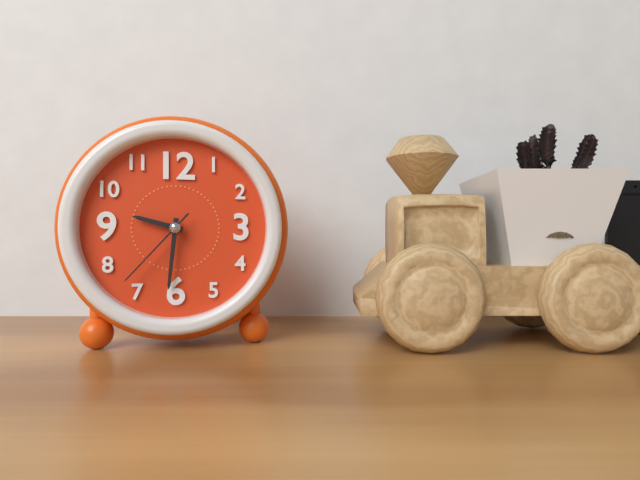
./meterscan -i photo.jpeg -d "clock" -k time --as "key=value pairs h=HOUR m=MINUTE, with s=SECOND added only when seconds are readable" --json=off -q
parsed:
h=9 m=31 s=37
